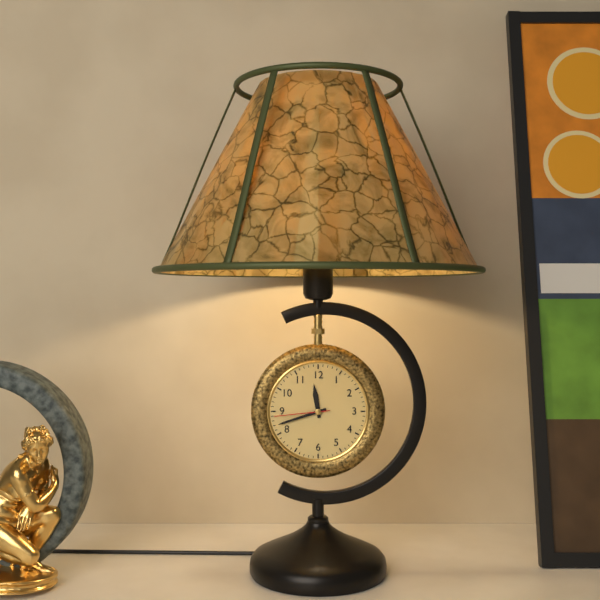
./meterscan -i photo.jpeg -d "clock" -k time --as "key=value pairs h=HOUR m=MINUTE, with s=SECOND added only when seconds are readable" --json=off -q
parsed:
h=11 m=42 s=44
